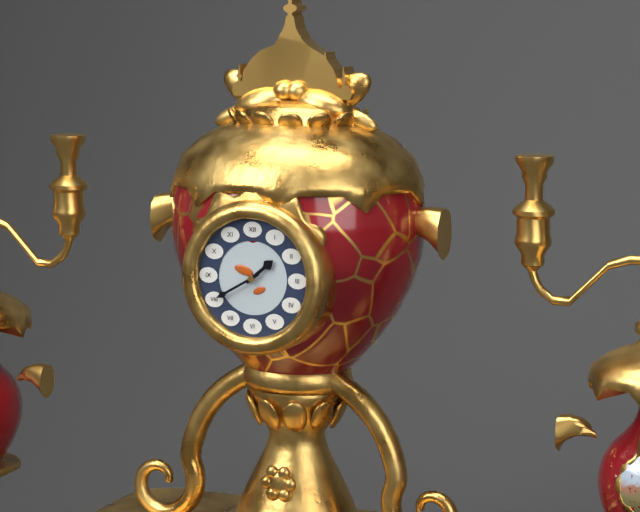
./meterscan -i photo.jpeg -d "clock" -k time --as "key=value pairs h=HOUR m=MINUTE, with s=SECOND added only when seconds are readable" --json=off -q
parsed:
h=1 m=40
